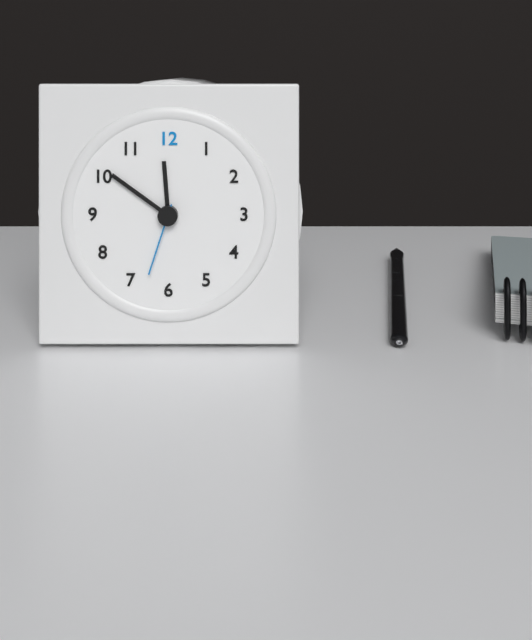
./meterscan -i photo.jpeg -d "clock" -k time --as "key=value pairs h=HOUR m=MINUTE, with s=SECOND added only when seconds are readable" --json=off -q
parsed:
h=11 m=51 s=33
